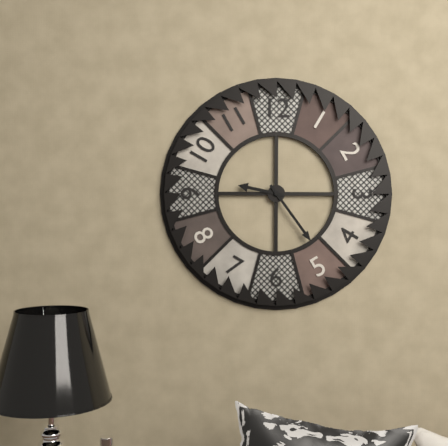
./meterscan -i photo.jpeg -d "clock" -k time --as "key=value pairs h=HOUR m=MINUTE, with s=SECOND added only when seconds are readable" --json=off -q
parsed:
h=9 m=24
